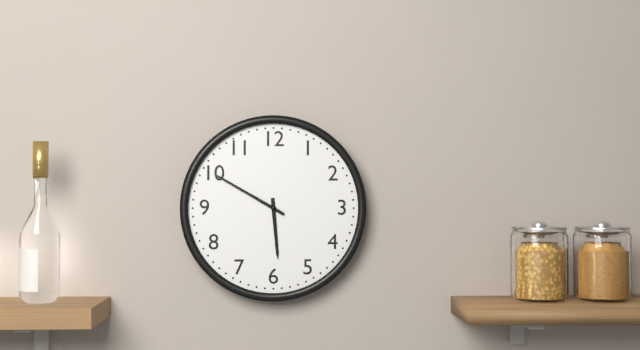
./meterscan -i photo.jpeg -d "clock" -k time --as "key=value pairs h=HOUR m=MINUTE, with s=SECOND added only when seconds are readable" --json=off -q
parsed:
h=5 m=50
